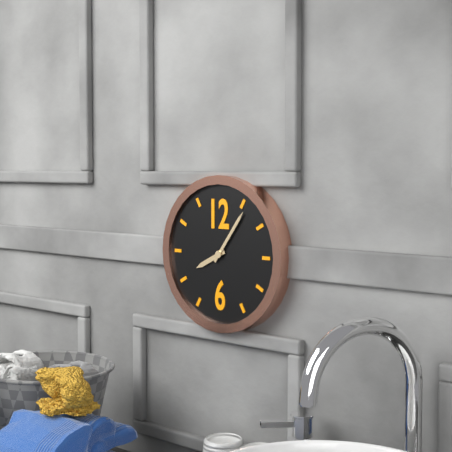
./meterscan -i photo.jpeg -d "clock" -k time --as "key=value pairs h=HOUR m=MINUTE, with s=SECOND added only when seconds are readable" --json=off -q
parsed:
h=8 m=6
